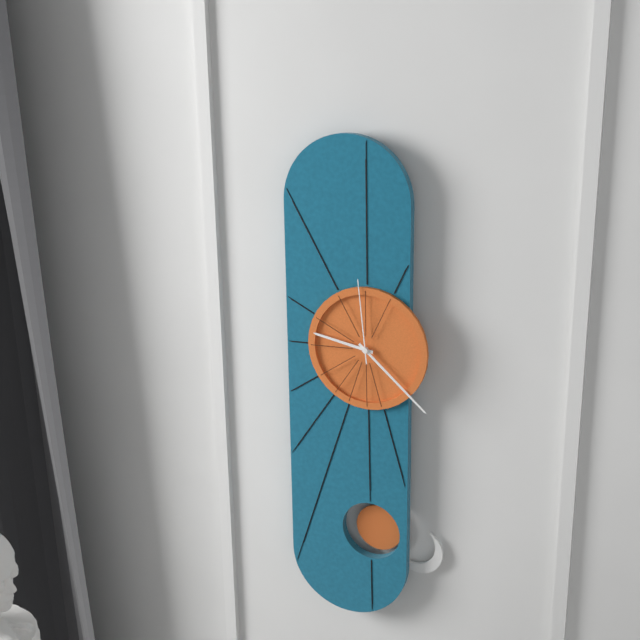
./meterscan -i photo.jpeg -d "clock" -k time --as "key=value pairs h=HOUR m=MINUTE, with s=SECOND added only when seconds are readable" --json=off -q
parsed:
h=9 m=22 s=59
